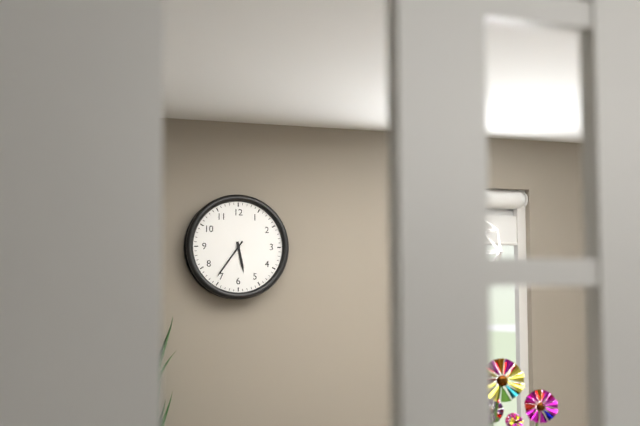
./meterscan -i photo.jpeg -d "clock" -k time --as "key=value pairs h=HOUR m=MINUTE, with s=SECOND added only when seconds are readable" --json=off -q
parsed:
h=5 m=36
